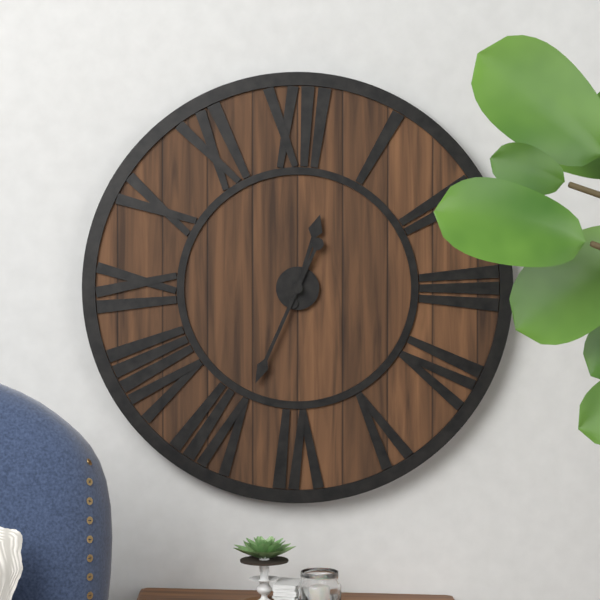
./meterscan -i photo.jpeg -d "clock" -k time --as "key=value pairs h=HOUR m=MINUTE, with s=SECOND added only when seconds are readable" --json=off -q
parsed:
h=12 m=34
